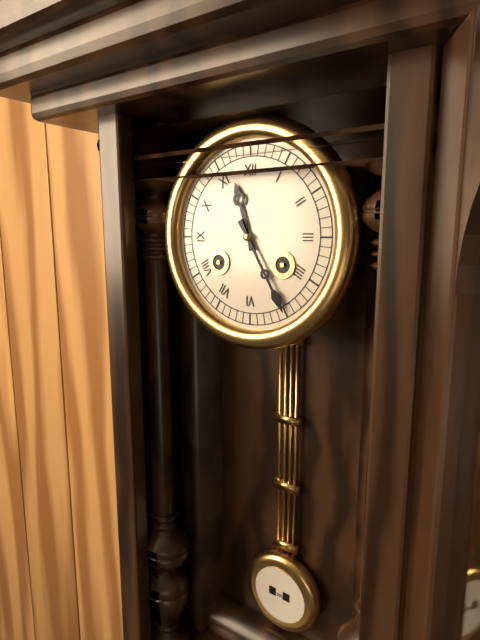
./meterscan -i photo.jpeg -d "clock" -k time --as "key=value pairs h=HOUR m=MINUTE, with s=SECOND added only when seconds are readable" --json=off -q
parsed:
h=11 m=25
